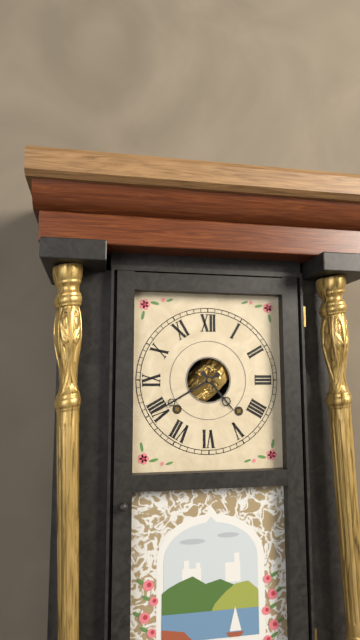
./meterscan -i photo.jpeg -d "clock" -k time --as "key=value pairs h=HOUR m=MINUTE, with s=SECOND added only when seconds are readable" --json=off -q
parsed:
h=4 m=40
